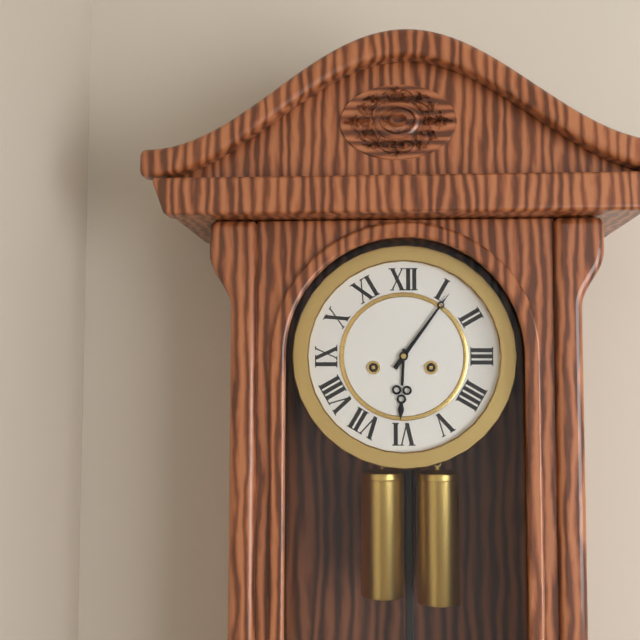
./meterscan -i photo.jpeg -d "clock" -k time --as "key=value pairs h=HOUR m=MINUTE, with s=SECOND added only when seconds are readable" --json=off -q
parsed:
h=6 m=6
